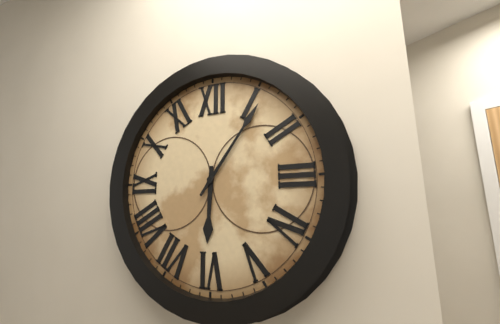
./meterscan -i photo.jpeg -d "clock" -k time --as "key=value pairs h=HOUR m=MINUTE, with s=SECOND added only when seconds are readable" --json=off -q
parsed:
h=6 m=6
